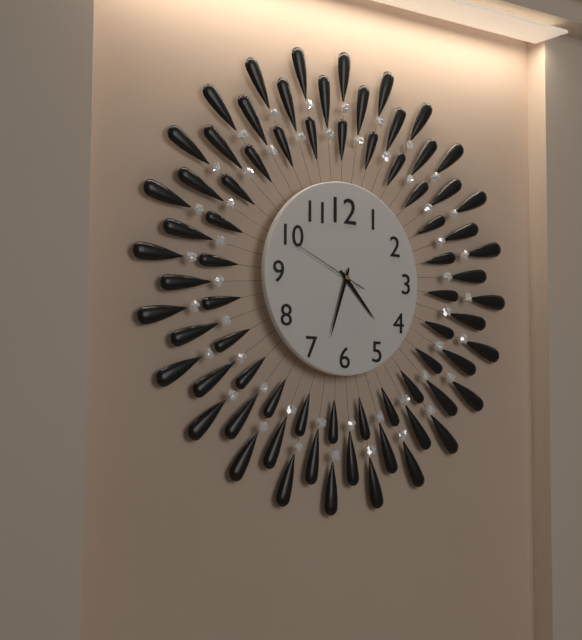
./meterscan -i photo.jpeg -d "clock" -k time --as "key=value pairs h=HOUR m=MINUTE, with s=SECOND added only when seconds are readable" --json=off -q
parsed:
h=4 m=33 s=49
